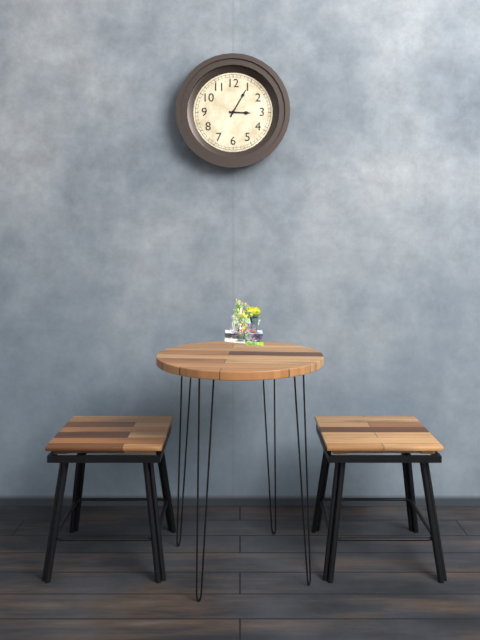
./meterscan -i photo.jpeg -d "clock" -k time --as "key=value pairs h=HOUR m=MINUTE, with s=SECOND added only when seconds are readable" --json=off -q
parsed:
h=3 m=5
